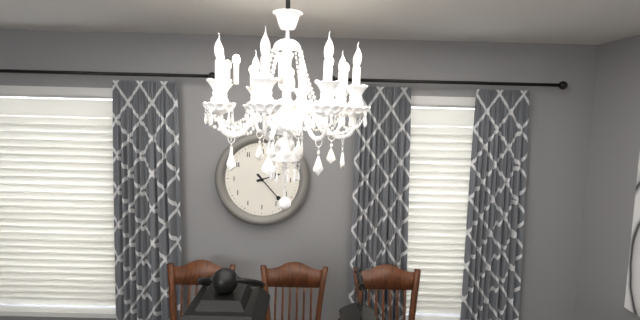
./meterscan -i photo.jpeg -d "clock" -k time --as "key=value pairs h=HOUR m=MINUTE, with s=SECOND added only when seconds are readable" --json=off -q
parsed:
h=2 m=23
